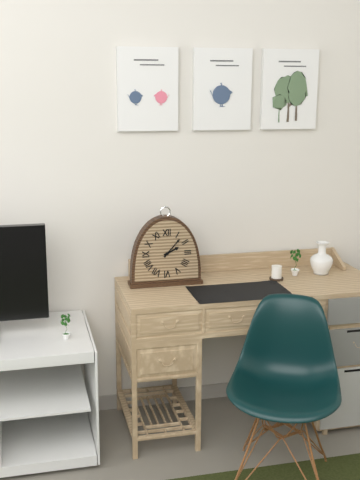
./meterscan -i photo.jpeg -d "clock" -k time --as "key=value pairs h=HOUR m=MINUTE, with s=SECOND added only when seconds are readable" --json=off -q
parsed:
h=2 m=7
